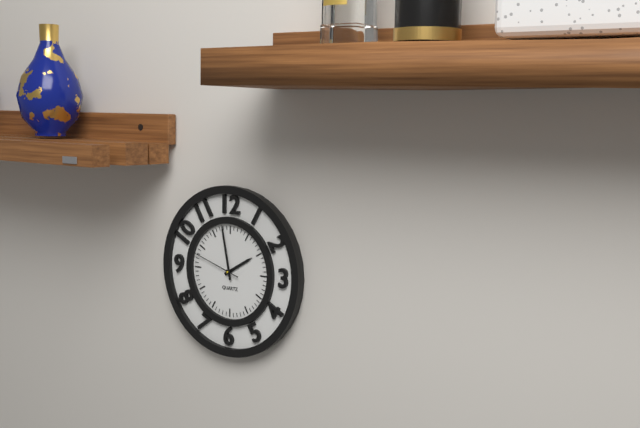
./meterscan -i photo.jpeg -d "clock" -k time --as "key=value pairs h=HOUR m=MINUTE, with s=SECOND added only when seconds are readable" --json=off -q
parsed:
h=1 m=58
